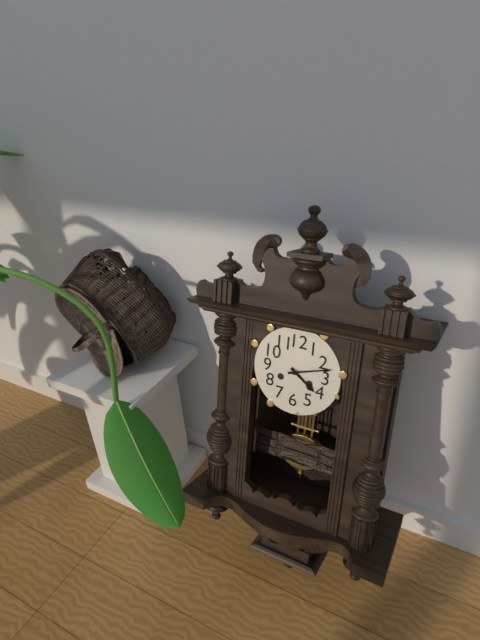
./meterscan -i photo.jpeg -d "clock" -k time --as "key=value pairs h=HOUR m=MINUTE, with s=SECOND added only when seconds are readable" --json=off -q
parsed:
h=4 m=12
